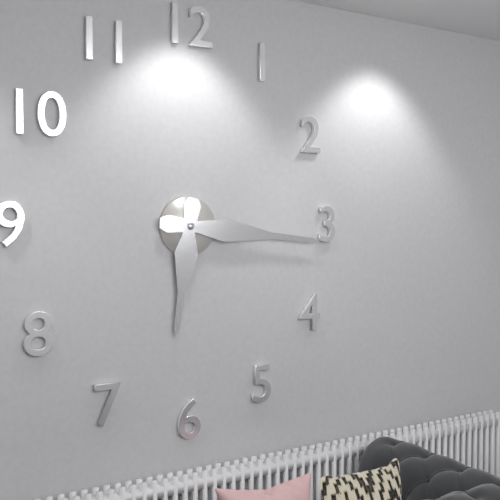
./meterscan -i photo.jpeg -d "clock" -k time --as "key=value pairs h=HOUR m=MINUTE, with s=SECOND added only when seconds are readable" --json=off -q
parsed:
h=6 m=16
